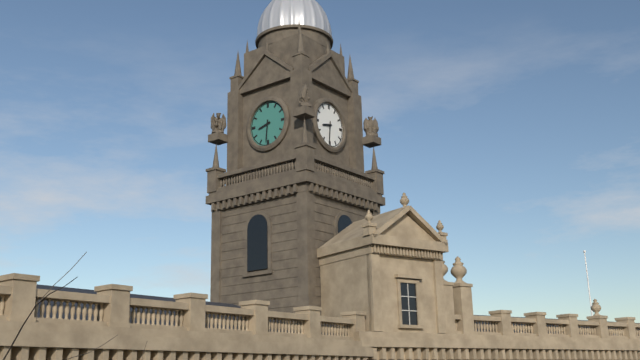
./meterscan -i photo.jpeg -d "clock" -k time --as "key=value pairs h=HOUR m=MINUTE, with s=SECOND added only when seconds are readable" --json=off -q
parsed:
h=8 m=31
